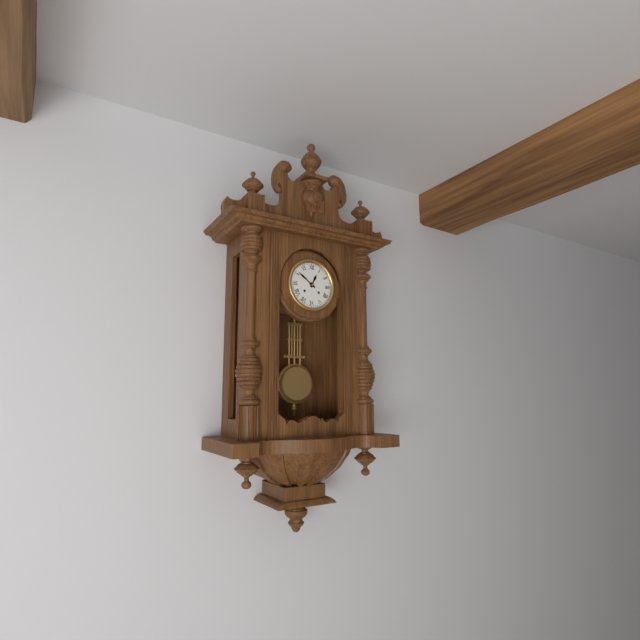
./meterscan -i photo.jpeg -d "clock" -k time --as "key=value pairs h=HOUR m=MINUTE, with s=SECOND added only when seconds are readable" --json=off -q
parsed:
h=12 m=51
